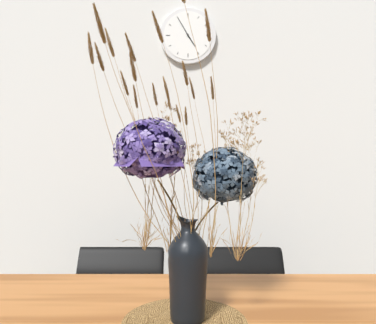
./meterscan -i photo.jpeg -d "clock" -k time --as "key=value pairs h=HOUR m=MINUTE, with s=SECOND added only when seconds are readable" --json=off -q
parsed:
h=4 m=55
